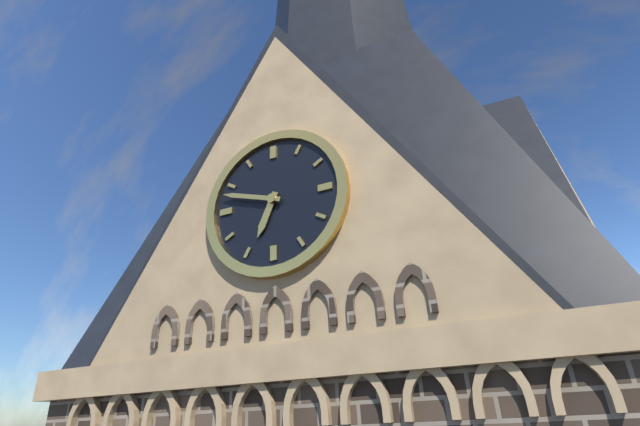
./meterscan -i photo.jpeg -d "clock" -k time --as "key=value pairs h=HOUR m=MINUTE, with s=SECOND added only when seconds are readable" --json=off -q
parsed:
h=6 m=48
